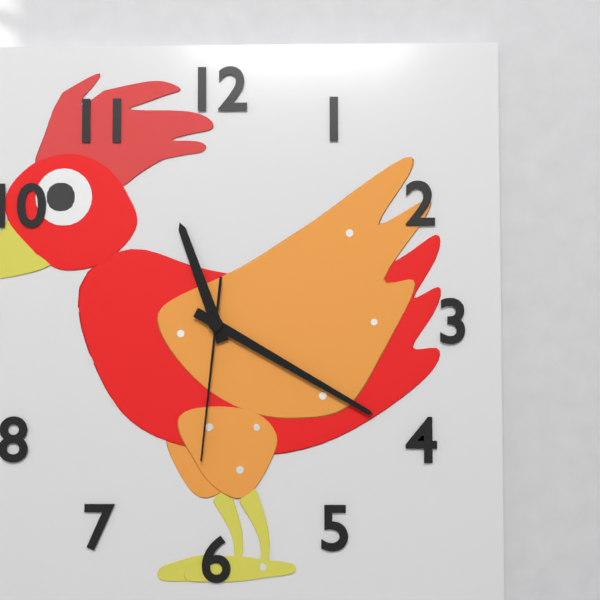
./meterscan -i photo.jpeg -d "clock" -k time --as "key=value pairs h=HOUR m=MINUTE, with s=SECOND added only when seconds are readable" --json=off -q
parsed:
h=11 m=20 s=31
